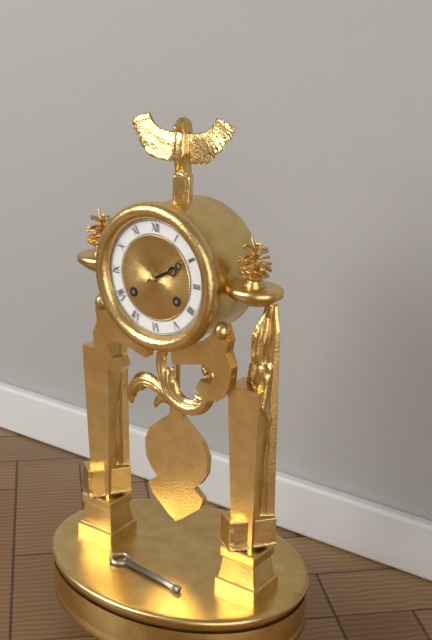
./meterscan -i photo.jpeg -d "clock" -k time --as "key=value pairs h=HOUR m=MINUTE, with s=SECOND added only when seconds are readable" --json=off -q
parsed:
h=2 m=10
